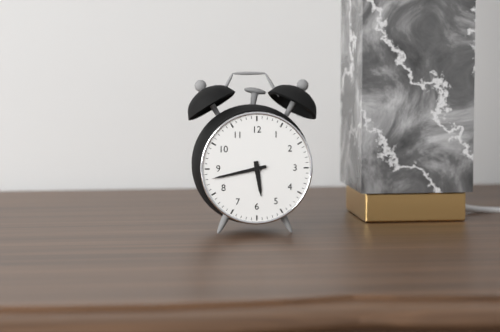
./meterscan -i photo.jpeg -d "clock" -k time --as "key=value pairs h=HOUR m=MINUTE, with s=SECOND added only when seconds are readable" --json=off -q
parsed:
h=5 m=43
